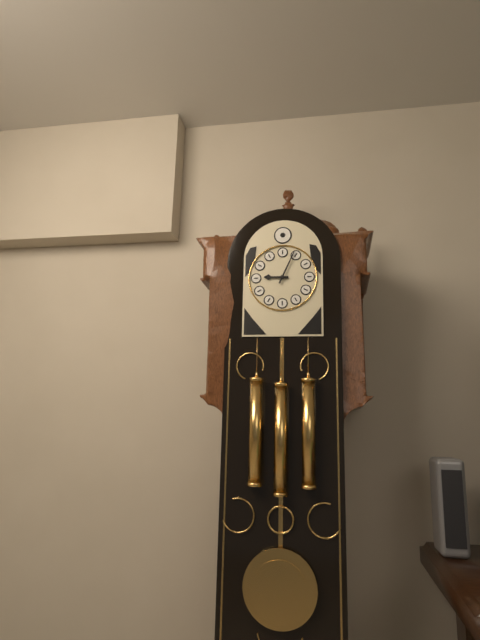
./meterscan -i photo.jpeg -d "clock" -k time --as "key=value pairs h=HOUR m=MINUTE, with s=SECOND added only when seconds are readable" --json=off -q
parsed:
h=9 m=4
